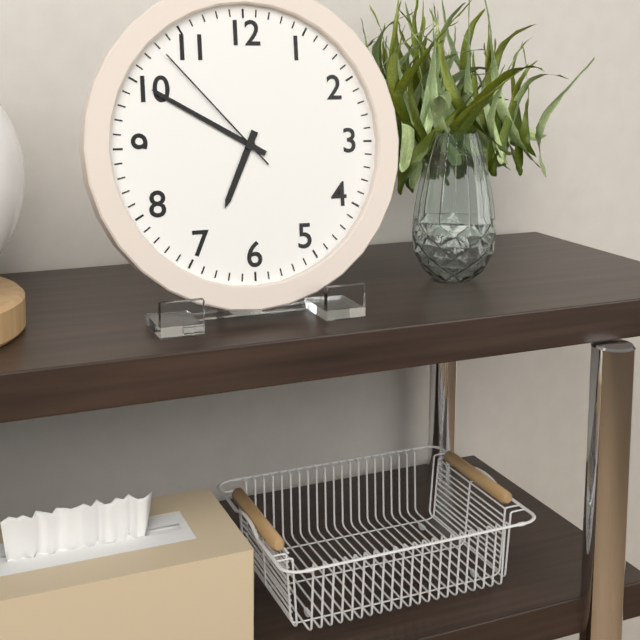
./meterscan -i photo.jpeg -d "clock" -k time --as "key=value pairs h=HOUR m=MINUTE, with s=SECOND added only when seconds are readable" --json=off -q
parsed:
h=6 m=50 s=53
